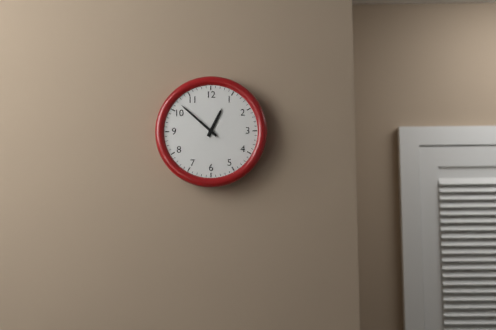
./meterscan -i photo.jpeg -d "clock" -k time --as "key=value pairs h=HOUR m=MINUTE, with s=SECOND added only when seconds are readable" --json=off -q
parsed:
h=12 m=52
